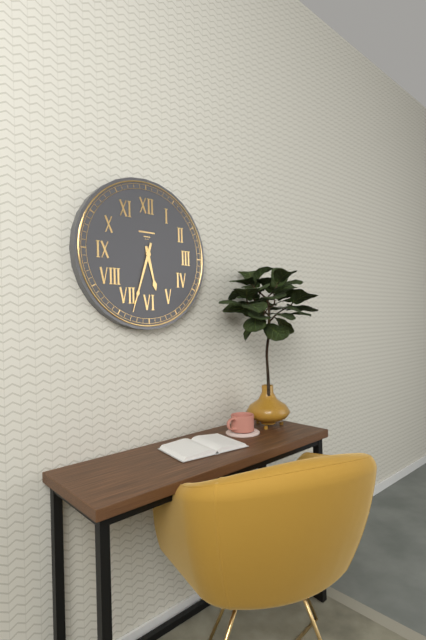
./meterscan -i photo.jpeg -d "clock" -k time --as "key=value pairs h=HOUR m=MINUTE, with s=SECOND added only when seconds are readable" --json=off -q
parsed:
h=5 m=33
